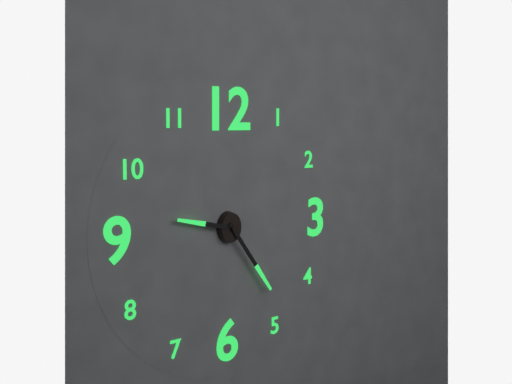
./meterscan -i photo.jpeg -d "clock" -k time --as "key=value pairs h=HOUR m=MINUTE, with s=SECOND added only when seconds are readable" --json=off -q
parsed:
h=9 m=24
